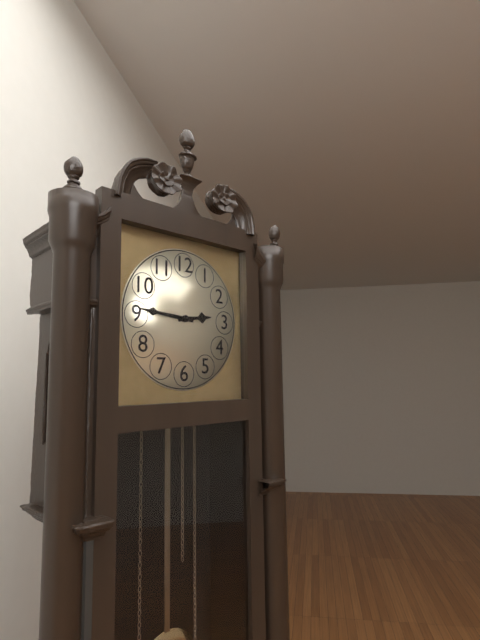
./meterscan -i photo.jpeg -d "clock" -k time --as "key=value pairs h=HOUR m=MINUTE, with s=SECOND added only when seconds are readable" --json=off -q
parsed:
h=2 m=46
